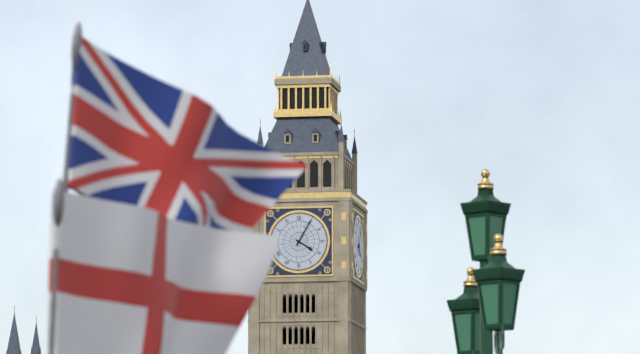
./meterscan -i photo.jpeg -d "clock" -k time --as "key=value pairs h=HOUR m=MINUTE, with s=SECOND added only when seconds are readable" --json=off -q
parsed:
h=4 m=5
